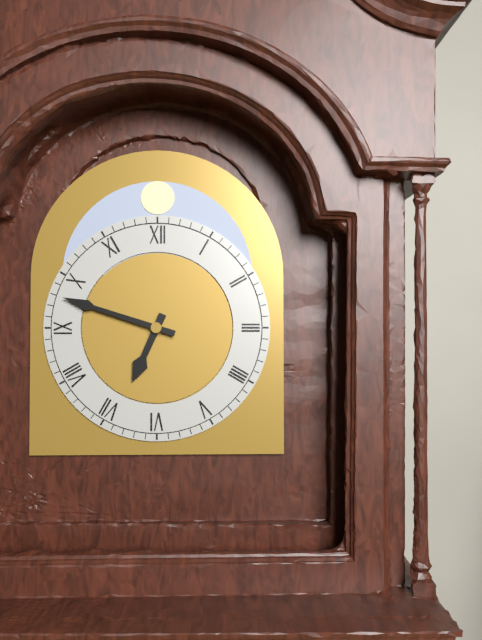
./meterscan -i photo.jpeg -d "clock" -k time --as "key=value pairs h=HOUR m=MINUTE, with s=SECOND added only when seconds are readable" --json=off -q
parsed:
h=6 m=48
